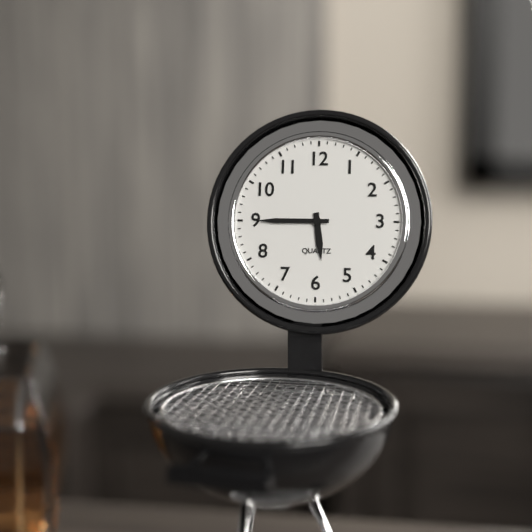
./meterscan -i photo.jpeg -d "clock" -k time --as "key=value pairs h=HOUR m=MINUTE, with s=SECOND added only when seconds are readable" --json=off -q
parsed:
h=5 m=45
